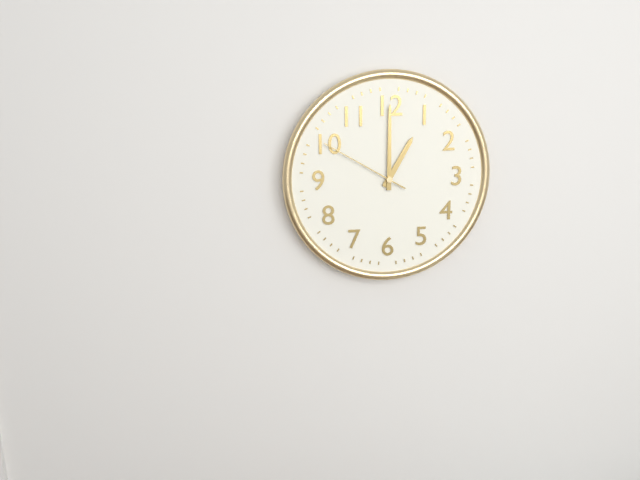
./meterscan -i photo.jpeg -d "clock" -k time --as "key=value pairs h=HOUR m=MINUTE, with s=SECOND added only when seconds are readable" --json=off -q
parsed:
h=1 m=0 s=50
